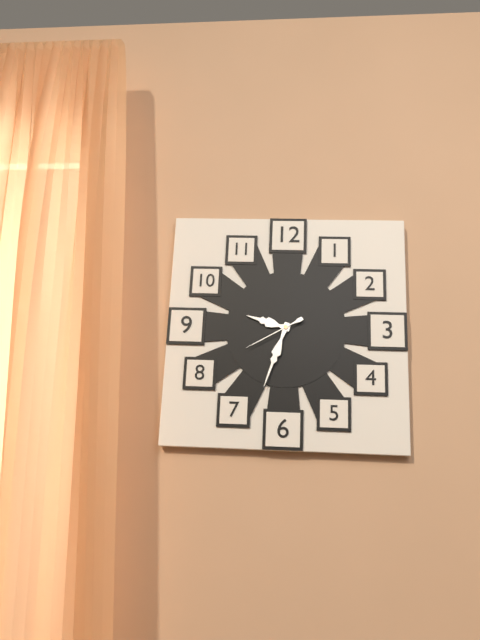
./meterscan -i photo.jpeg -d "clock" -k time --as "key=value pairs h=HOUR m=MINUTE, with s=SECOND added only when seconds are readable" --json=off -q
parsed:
h=9 m=33 s=40
